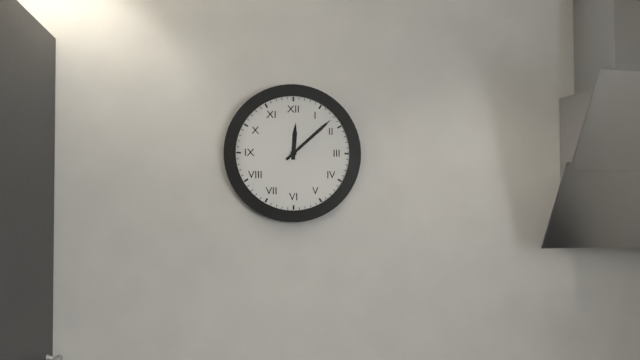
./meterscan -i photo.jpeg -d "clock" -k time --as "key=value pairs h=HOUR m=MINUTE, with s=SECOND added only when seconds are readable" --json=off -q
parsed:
h=12 m=8
